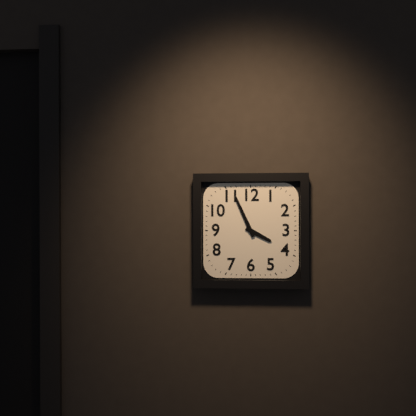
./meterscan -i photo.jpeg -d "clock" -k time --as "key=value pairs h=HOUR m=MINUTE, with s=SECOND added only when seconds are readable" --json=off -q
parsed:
h=3 m=56
